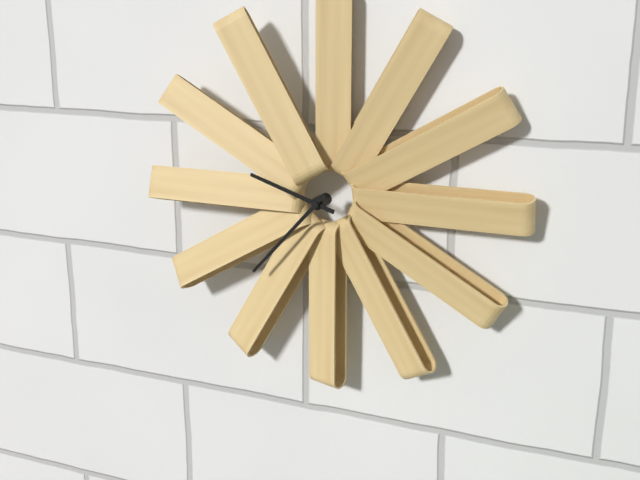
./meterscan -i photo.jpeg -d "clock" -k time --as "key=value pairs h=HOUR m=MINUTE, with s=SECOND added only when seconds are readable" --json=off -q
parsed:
h=9 m=37
